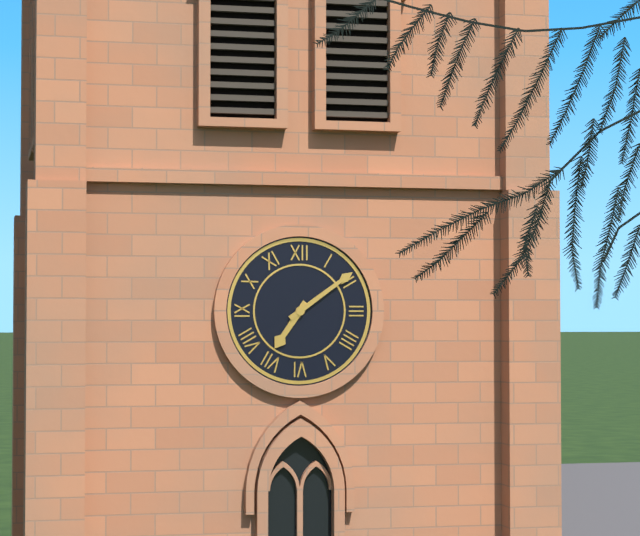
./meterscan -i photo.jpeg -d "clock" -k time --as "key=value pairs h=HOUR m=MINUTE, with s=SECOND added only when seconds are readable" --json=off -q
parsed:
h=7 m=9
